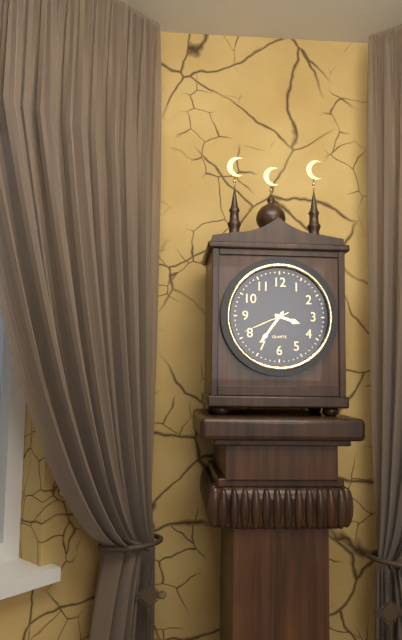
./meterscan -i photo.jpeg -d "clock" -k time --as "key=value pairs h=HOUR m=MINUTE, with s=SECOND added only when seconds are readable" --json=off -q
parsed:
h=3 m=36
